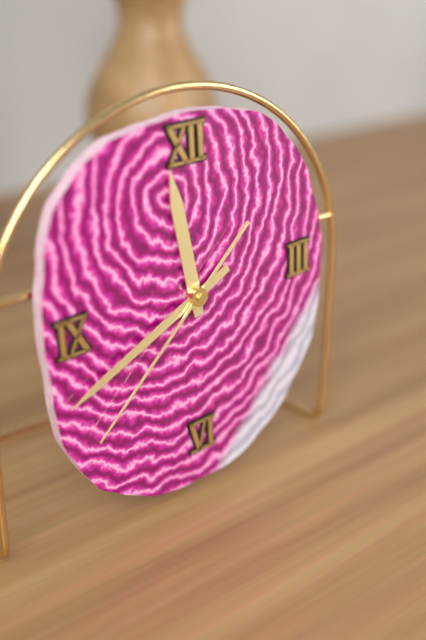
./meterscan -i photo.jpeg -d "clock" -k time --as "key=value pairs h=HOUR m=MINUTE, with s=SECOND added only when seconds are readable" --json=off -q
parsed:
h=11 m=41 s=38
